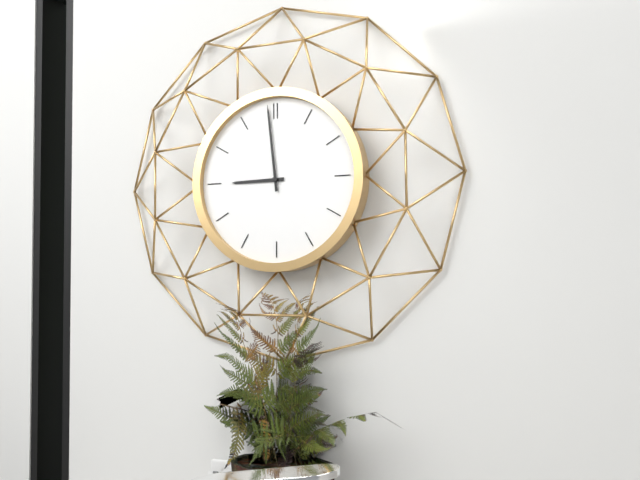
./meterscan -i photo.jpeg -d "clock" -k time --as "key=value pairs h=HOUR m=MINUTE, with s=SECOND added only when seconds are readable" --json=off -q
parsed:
h=8 m=59
